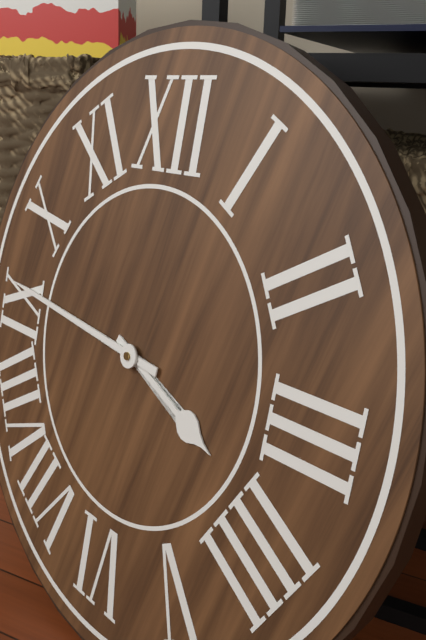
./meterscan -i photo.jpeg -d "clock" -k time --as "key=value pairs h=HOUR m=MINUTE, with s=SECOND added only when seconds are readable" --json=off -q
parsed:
h=3 m=46
